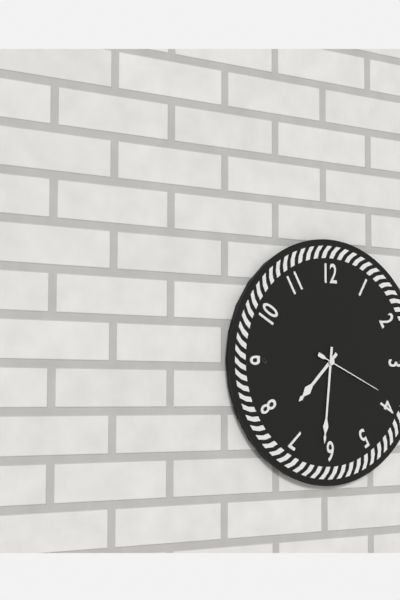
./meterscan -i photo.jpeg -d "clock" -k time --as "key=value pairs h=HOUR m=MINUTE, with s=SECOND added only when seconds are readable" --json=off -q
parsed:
h=7 m=31 s=19
